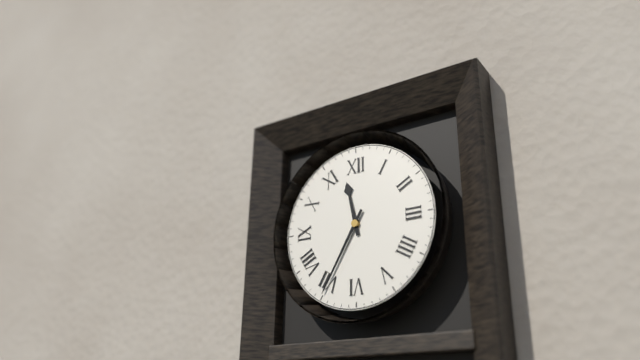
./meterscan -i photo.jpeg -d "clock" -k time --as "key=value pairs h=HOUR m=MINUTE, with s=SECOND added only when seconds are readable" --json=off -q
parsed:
h=11 m=35
